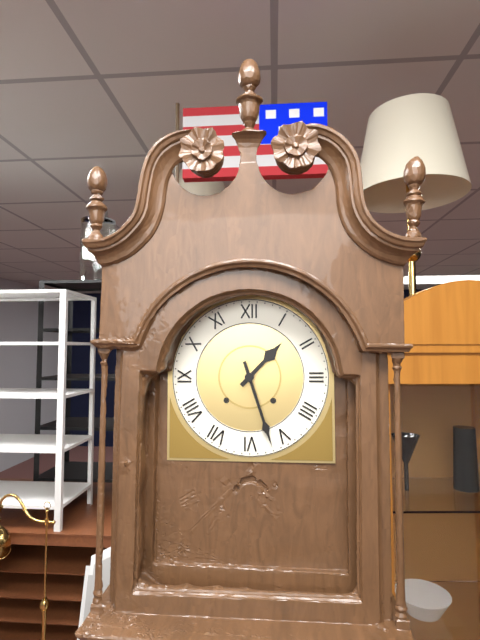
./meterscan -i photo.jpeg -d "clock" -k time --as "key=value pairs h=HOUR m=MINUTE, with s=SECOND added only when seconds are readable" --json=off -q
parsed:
h=1 m=27
